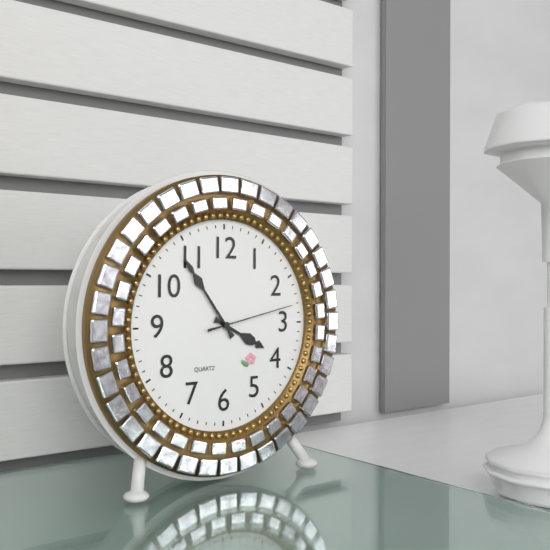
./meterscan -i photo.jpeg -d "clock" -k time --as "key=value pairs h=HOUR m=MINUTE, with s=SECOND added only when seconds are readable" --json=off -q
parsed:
h=3 m=54 s=13
